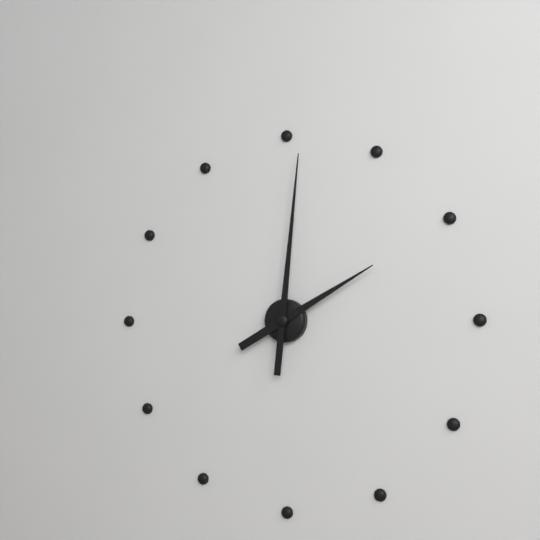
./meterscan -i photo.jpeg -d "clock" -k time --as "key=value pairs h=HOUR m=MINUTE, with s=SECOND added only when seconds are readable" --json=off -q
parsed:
h=2 m=1
